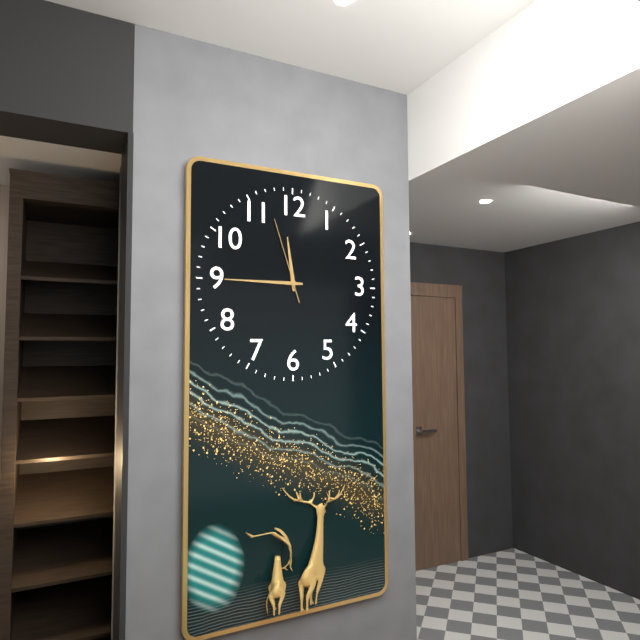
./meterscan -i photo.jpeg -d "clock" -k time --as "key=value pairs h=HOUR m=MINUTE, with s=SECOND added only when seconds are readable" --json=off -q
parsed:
h=11 m=45 s=57
